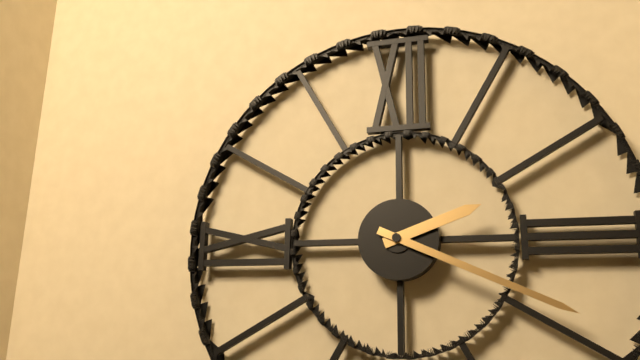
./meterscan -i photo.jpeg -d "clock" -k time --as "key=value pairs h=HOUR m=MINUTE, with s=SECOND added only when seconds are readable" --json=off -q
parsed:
h=2 m=19
